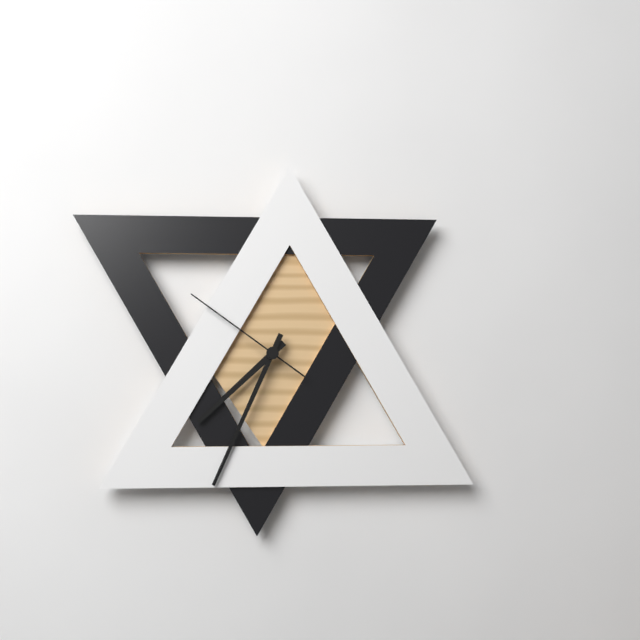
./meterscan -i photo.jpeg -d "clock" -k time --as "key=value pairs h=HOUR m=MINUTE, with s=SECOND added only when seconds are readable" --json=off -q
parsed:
h=7 m=34 s=51
